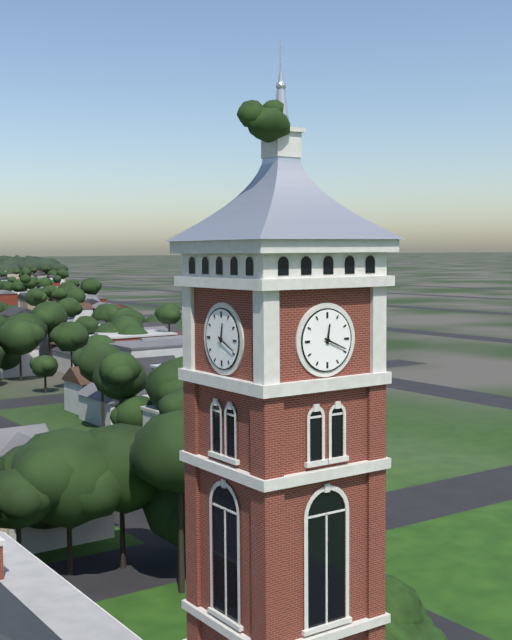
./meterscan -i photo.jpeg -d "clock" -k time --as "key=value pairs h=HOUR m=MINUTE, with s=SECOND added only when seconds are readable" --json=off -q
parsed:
h=12 m=19
